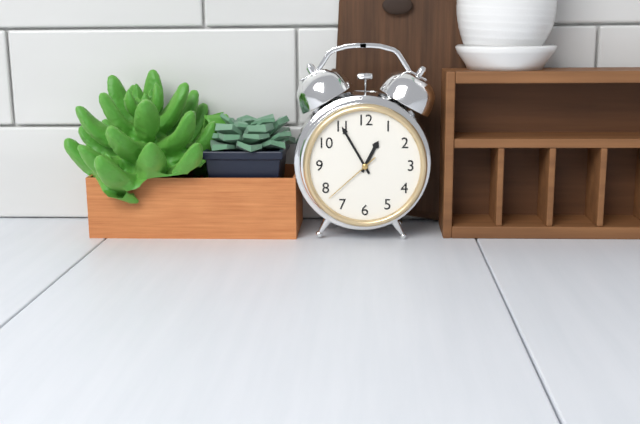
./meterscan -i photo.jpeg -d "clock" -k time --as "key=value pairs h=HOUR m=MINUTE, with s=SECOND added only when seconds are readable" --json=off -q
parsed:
h=12 m=55 s=38
